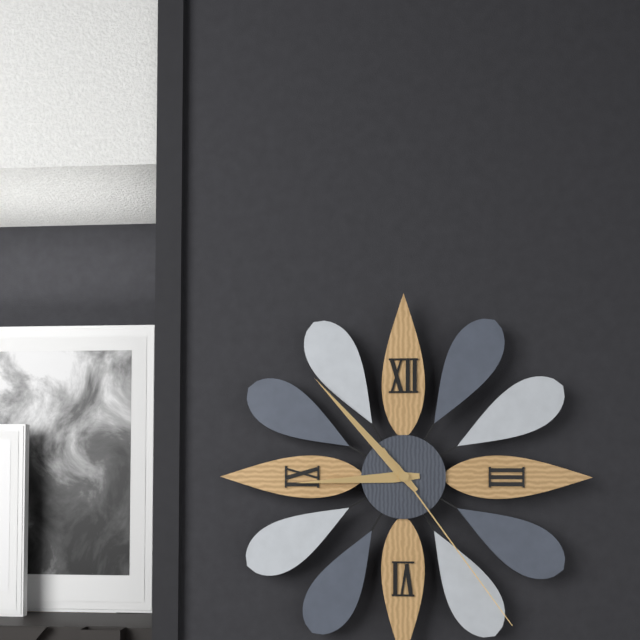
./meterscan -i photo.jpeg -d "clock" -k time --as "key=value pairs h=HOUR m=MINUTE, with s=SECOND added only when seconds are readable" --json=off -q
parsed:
h=8 m=53 s=24
